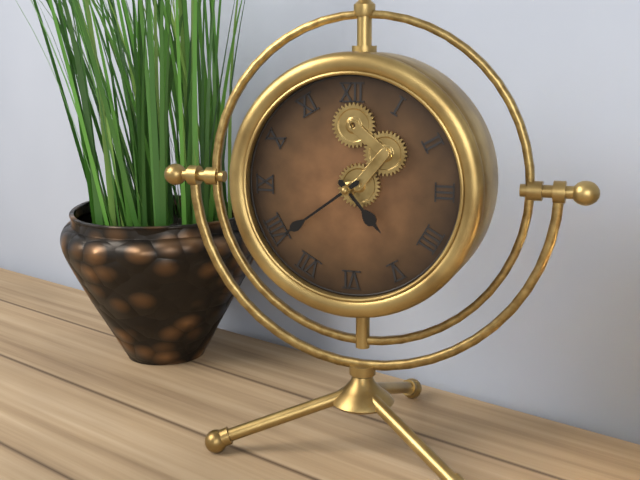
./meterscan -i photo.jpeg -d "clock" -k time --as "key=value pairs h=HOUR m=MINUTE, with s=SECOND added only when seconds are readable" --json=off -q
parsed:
h=4 m=39
